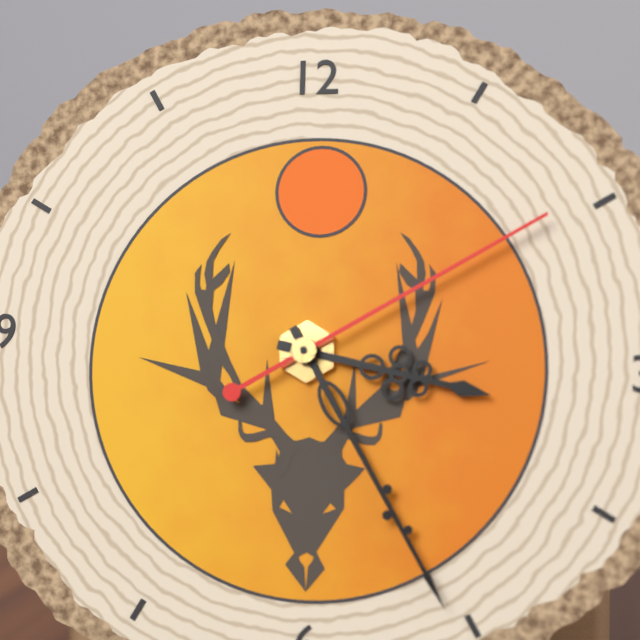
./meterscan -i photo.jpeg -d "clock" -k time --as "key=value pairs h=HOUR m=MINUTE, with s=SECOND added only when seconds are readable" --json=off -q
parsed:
h=3 m=25 s=10
